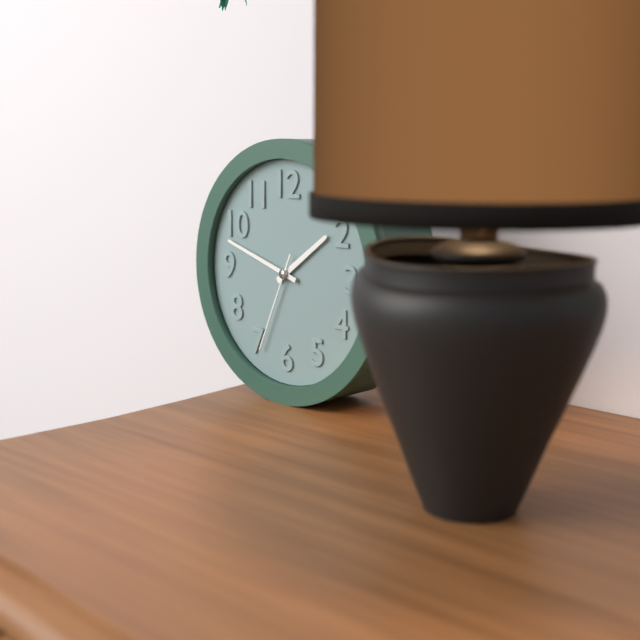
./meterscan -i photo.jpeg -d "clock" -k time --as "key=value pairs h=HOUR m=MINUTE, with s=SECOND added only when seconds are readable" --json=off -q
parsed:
h=1 m=48 s=34
